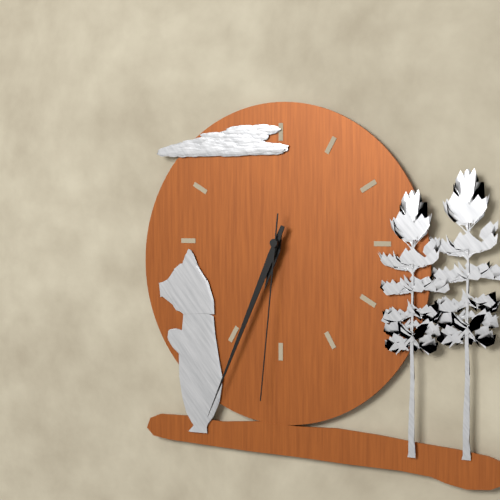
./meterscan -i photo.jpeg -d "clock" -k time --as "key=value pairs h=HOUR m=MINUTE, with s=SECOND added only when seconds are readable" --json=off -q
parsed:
h=6 m=34 s=31
